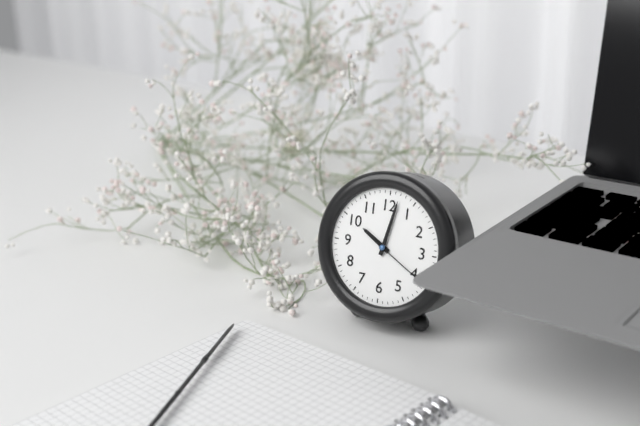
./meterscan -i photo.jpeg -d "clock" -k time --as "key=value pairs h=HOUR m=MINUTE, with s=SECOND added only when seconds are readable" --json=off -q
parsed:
h=10 m=2 s=20
